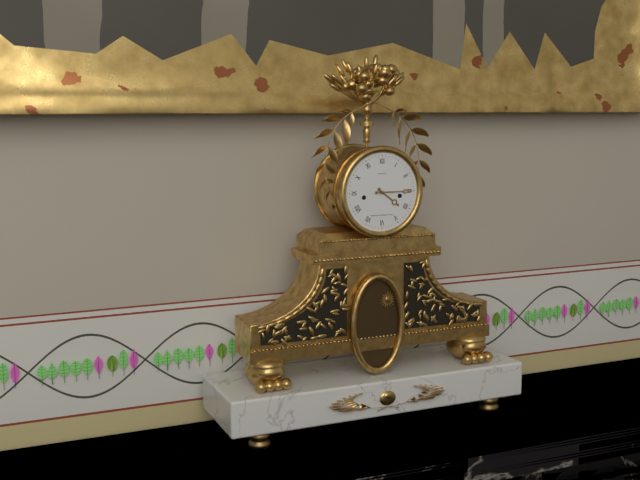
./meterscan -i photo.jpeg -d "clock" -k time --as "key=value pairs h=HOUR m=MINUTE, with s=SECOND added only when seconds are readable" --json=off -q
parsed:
h=4 m=15
